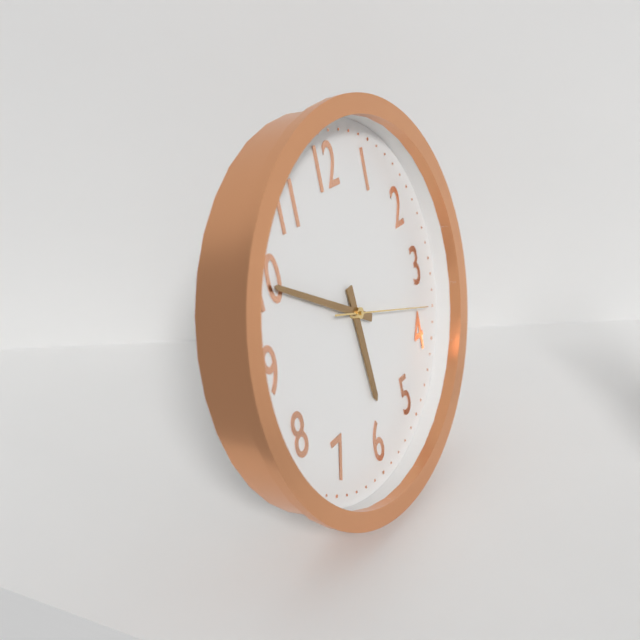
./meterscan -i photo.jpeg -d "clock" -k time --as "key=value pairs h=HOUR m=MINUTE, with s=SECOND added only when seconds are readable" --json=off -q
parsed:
h=5 m=50 s=18
